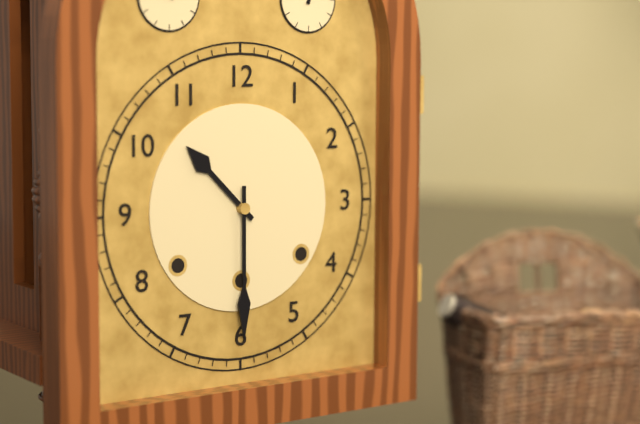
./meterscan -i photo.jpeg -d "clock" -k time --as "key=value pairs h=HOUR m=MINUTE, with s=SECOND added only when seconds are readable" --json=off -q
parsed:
h=10 m=30
